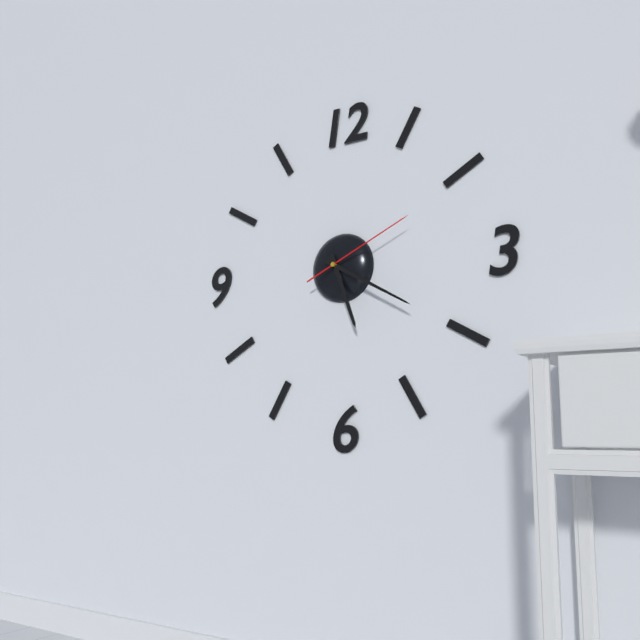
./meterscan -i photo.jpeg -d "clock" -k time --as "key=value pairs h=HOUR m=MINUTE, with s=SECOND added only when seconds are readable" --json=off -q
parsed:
h=5 m=20 s=11
